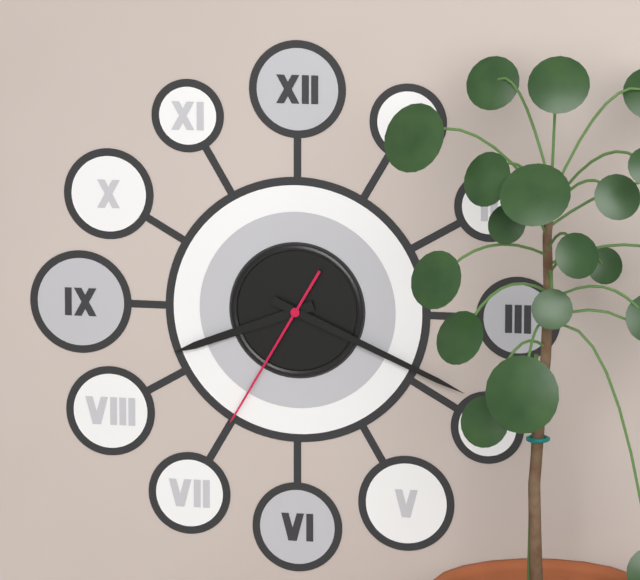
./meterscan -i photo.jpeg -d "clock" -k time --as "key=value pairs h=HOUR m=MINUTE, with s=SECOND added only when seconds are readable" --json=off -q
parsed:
h=8 m=19 s=35
